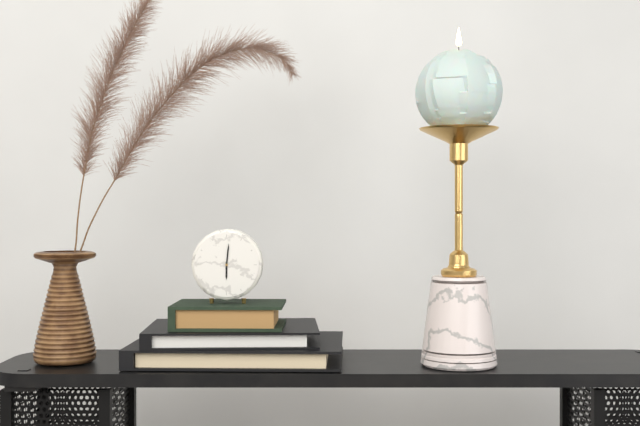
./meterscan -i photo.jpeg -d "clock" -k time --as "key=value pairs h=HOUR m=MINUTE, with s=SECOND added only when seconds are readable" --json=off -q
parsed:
h=6 m=1
